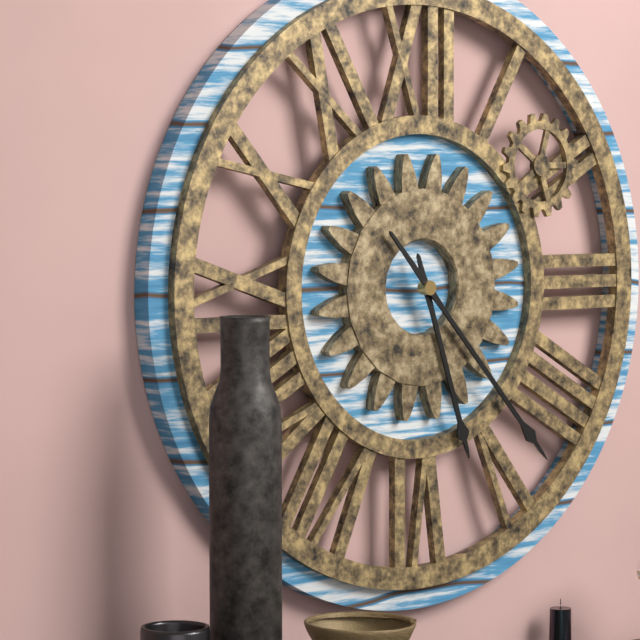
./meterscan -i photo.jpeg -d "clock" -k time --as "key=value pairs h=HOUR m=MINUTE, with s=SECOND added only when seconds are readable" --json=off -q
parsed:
h=5 m=23
